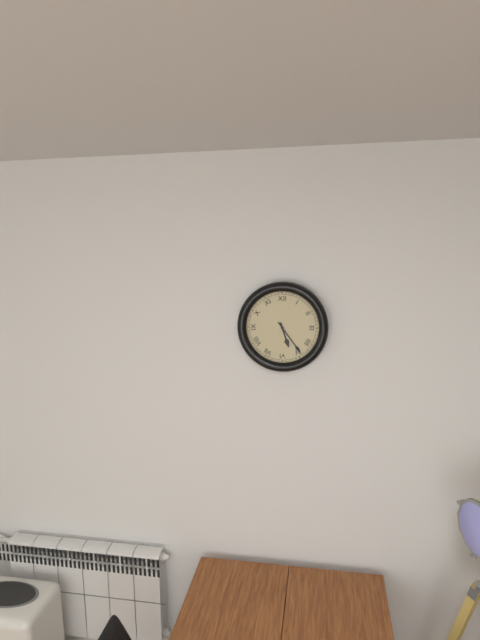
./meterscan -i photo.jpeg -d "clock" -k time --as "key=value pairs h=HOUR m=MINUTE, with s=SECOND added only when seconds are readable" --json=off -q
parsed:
h=5 m=24
